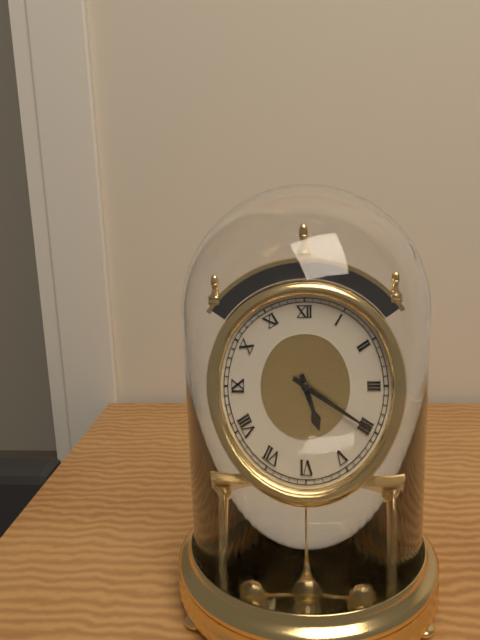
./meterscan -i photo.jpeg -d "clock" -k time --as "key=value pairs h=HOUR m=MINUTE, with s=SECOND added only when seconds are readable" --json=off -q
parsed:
h=5 m=20
